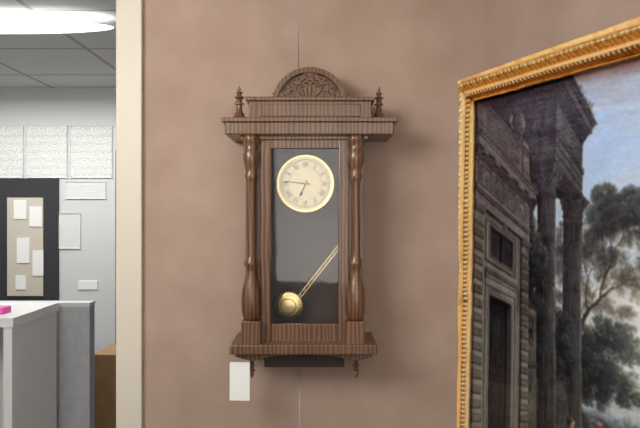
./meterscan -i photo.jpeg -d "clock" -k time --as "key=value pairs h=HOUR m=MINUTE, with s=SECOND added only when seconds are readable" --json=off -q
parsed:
h=6 m=46
